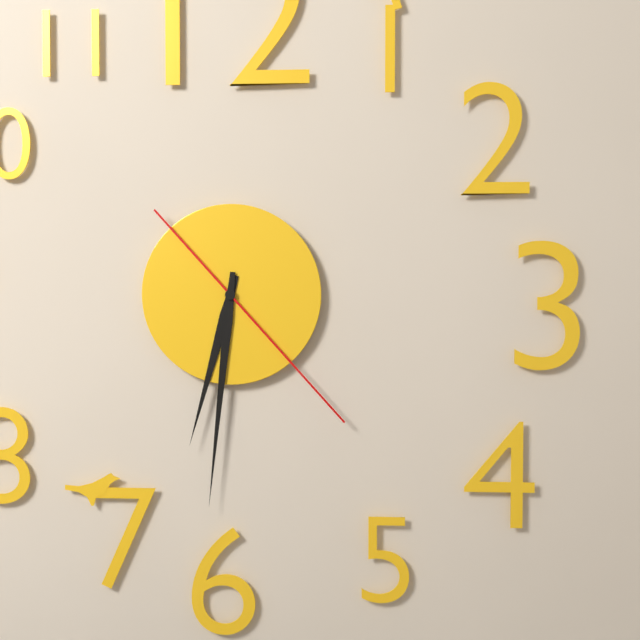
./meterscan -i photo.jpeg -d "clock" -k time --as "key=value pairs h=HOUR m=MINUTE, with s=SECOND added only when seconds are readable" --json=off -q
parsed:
h=6 m=31 s=23
